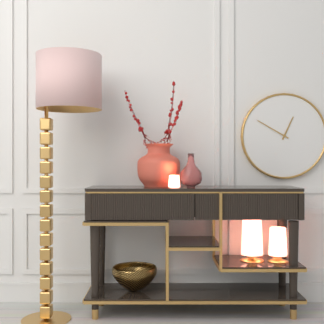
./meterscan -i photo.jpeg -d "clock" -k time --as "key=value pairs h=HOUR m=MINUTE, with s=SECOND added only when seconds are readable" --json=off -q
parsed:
h=12 m=50
